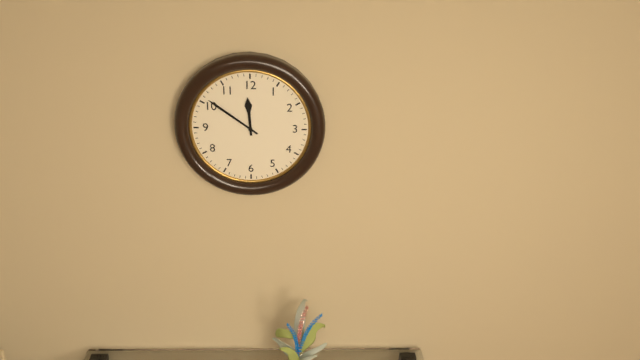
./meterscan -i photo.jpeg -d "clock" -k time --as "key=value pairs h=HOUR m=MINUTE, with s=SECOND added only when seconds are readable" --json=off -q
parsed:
h=11 m=51
